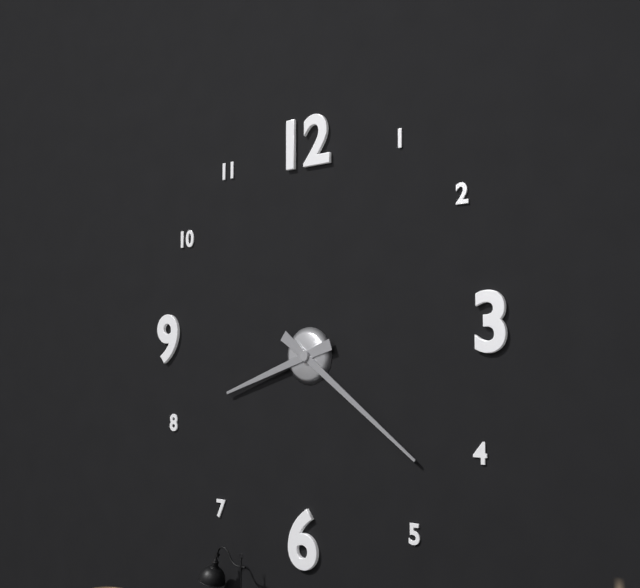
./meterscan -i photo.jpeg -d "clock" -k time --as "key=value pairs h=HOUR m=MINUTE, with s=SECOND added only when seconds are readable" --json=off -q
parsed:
h=8 m=21
